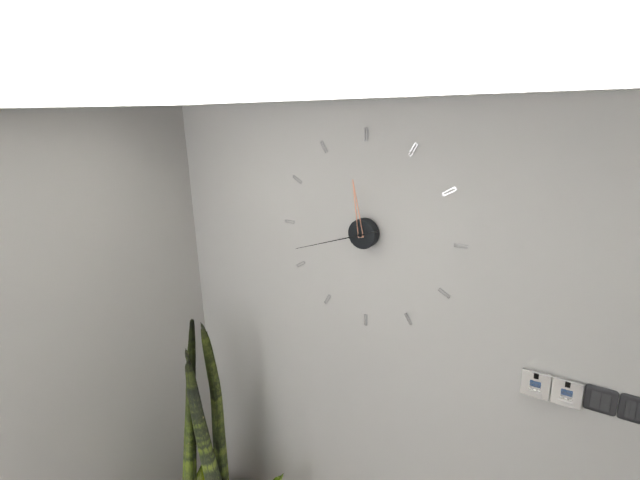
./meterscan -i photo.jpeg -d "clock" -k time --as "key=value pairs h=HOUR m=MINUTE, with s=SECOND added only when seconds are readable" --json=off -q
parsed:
h=11 m=42
